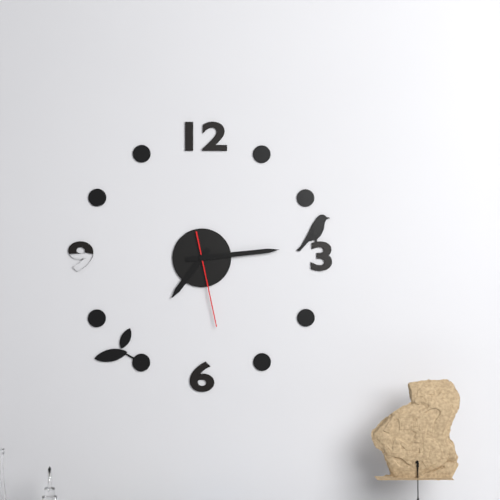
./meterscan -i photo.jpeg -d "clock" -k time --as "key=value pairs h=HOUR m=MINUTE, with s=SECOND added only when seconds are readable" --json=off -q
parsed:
h=7 m=14 s=28
